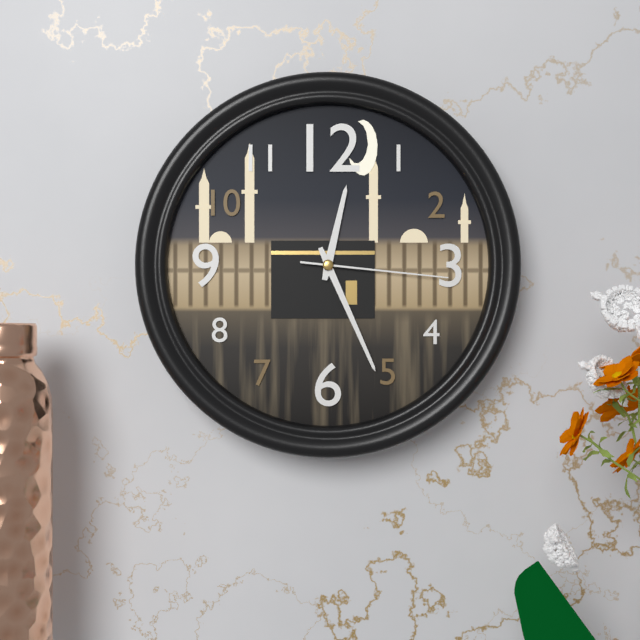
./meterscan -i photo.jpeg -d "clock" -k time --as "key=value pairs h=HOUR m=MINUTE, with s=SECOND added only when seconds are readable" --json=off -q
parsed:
h=12 m=26 s=16
